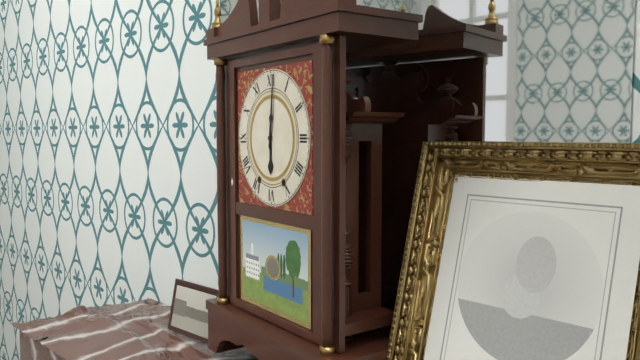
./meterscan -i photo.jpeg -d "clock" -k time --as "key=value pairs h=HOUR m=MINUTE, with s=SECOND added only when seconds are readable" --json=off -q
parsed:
h=6 m=1
